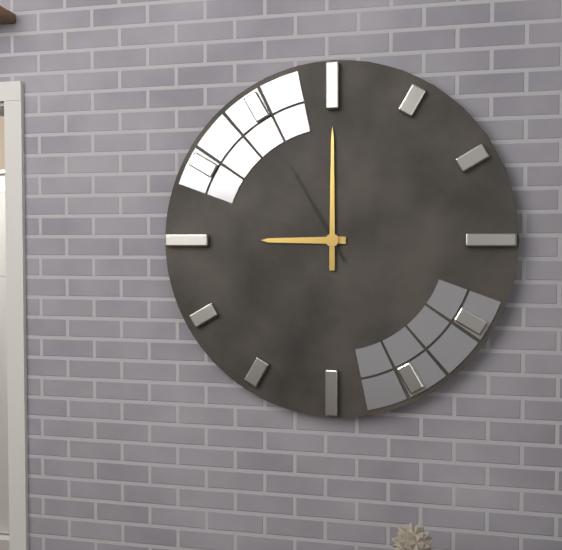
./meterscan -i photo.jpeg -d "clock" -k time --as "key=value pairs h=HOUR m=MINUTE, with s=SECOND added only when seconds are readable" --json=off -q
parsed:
h=9 m=0 s=55
